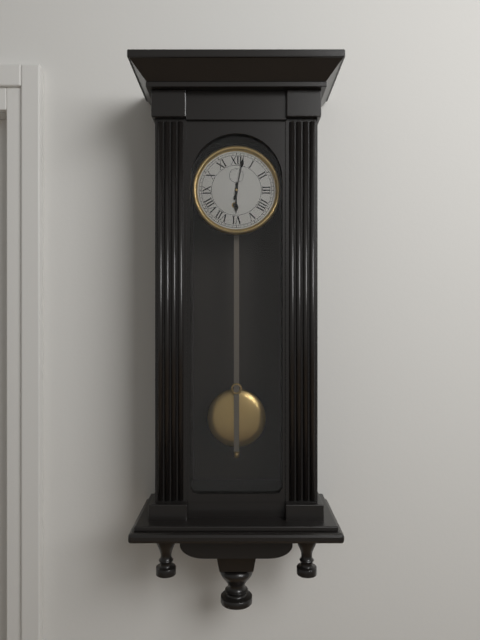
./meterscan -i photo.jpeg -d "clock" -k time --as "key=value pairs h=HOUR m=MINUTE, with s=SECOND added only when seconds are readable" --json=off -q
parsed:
h=6 m=2
